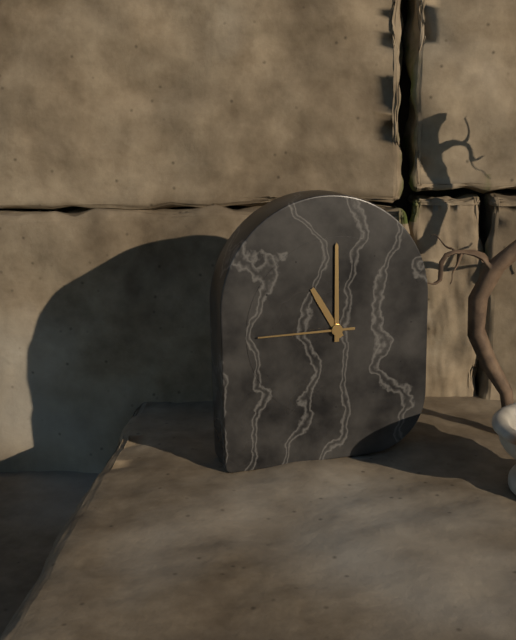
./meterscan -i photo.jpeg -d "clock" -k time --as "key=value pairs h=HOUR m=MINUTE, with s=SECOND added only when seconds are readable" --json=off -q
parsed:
h=11 m=0 s=45
